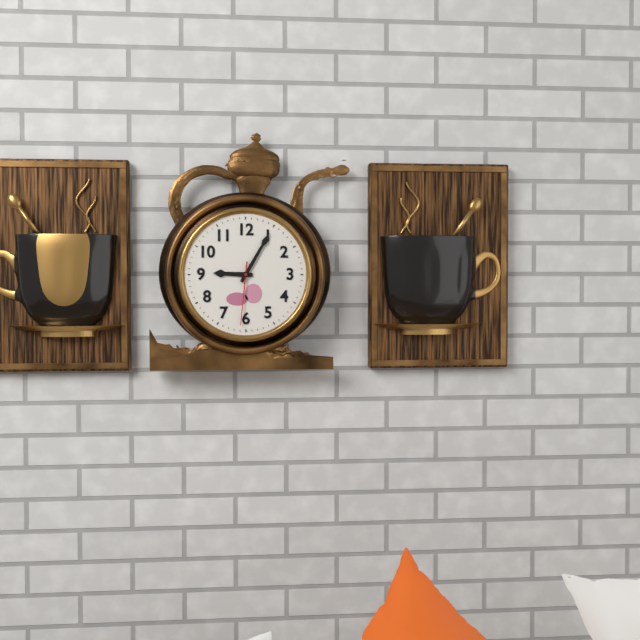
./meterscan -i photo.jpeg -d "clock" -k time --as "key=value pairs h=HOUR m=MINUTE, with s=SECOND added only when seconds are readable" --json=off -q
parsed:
h=9 m=5 s=31
